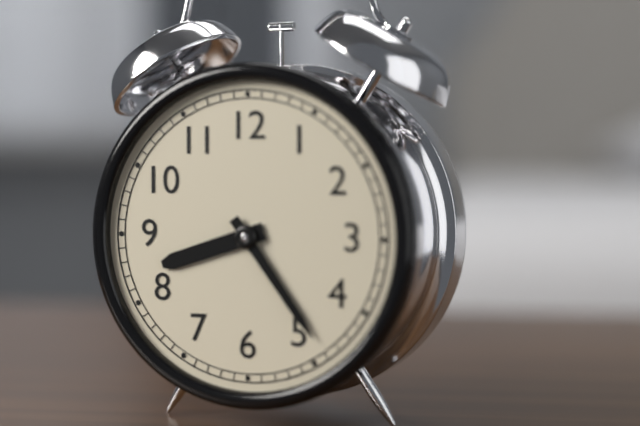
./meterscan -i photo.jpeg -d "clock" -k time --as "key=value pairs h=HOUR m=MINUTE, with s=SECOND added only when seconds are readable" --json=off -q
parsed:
h=8 m=24
